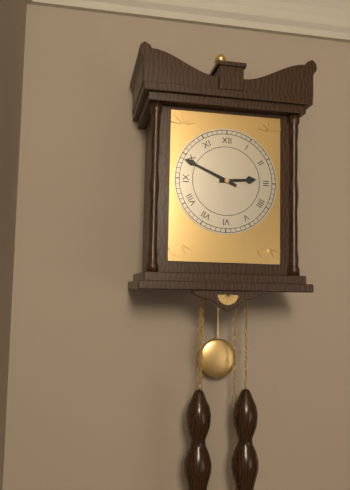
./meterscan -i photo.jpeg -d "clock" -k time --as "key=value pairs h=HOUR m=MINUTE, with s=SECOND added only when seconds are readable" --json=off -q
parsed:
h=2 m=49
